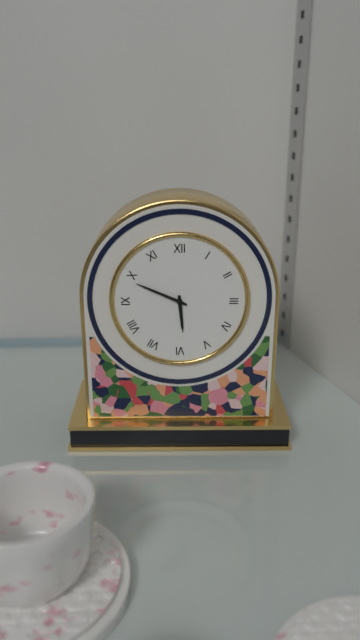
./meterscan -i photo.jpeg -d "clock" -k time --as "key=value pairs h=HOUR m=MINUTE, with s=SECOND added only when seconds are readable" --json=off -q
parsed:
h=5 m=49
